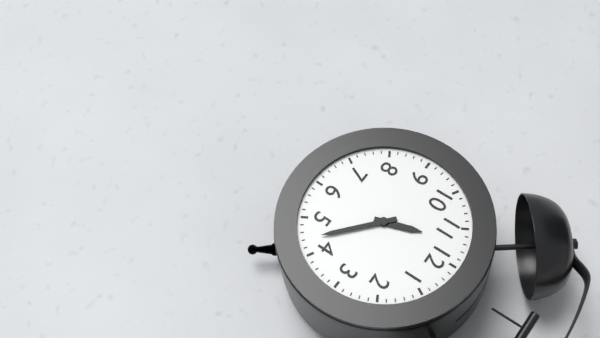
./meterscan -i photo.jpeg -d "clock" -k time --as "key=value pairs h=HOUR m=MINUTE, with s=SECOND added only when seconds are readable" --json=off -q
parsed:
h=11 m=22
